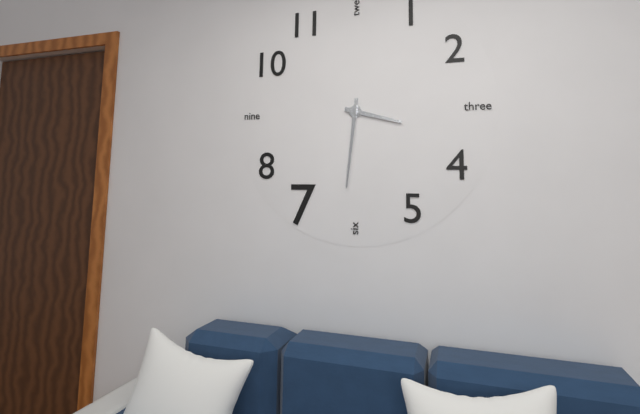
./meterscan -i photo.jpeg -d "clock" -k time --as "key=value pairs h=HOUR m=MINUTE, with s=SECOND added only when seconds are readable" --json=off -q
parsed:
h=3 m=31
